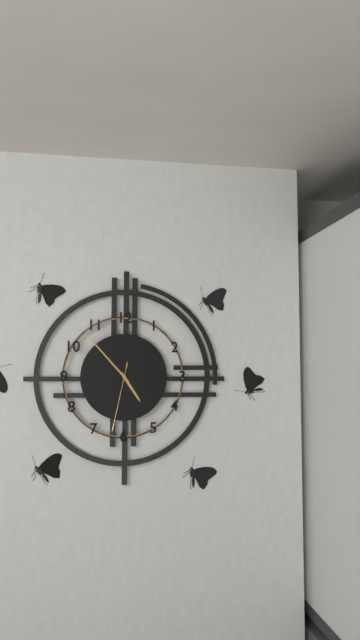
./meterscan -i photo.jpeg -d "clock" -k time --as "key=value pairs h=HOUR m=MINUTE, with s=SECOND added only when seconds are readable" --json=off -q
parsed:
h=4 m=53 s=32
